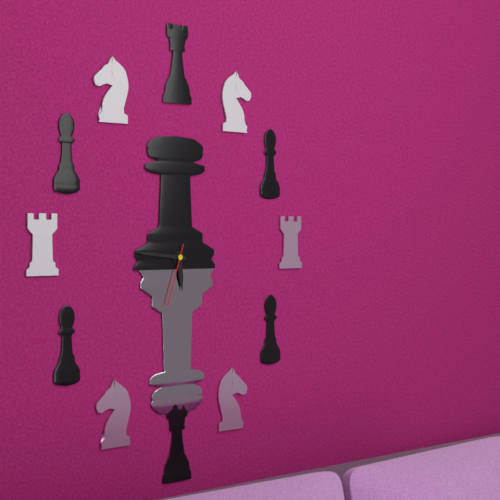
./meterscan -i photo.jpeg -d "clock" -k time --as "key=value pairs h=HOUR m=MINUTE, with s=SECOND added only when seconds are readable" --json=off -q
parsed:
h=5 m=46 s=33
